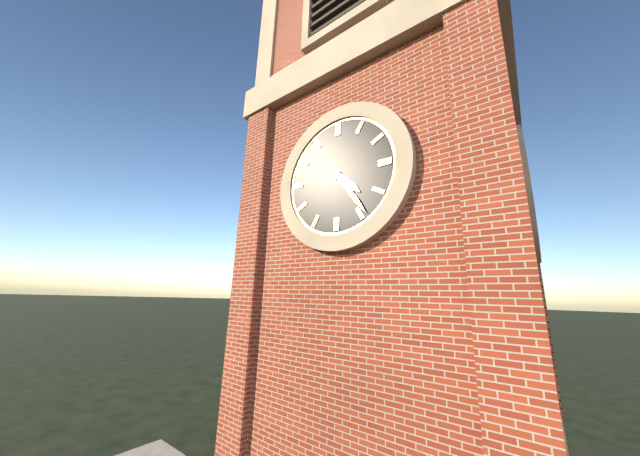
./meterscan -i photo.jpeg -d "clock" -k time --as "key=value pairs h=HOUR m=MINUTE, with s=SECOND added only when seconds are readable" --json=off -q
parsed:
h=4 m=24
